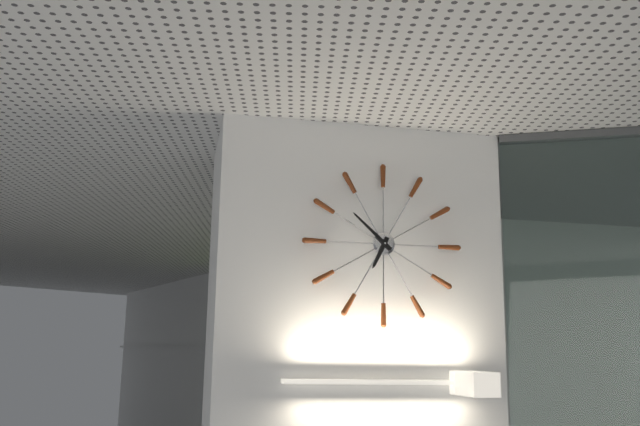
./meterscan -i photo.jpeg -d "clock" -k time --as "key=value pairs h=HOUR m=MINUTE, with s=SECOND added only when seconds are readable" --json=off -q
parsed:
h=6 m=52
